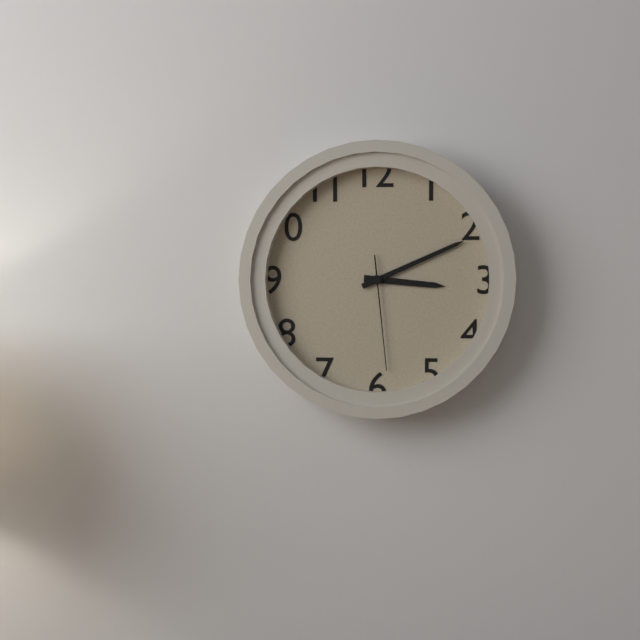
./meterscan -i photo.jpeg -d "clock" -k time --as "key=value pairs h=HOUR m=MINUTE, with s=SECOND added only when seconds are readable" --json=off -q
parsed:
h=3 m=11 s=29
